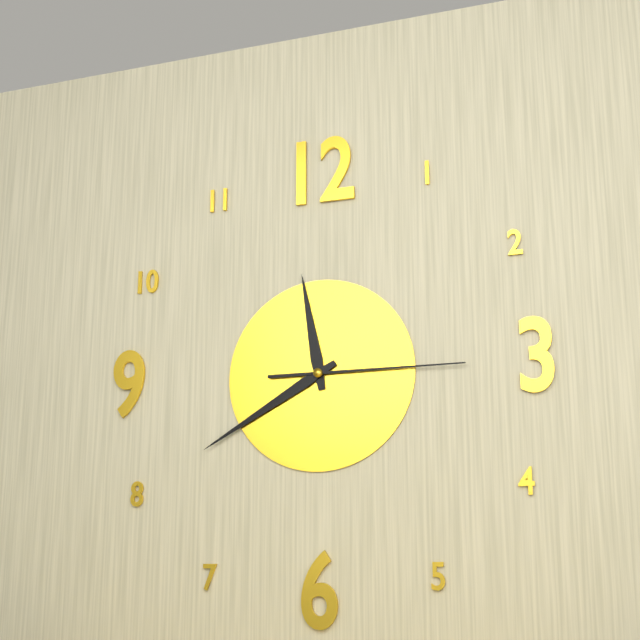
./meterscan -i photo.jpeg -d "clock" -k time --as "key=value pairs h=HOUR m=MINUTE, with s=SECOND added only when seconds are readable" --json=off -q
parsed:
h=11 m=40 s=15
